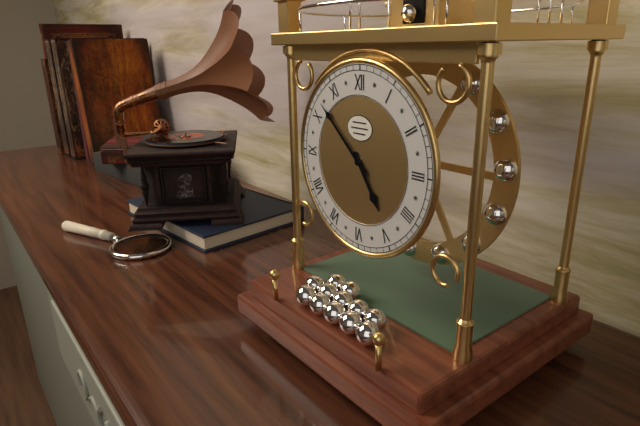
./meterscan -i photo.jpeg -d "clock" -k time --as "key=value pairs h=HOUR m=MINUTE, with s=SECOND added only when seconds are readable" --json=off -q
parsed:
h=4 m=52
